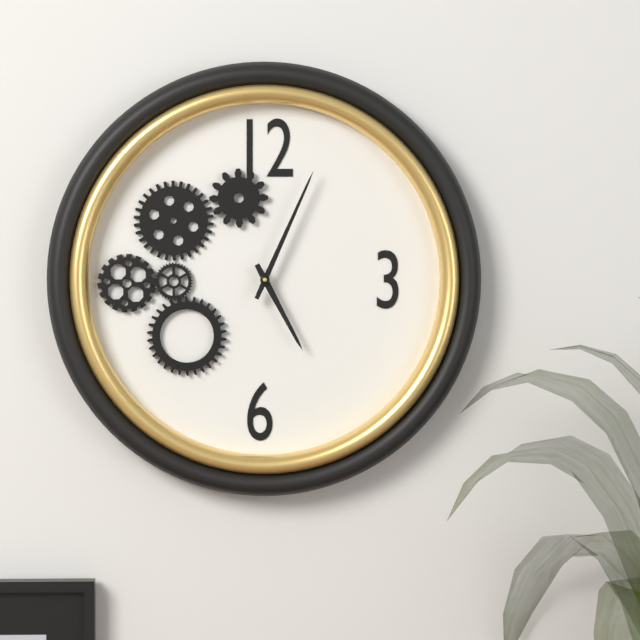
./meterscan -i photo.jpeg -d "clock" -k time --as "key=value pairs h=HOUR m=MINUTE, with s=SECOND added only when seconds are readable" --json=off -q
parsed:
h=5 m=4
